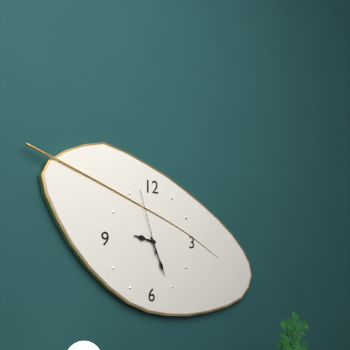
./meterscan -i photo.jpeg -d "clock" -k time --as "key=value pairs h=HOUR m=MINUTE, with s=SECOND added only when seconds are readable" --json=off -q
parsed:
h=9 m=26 s=57
